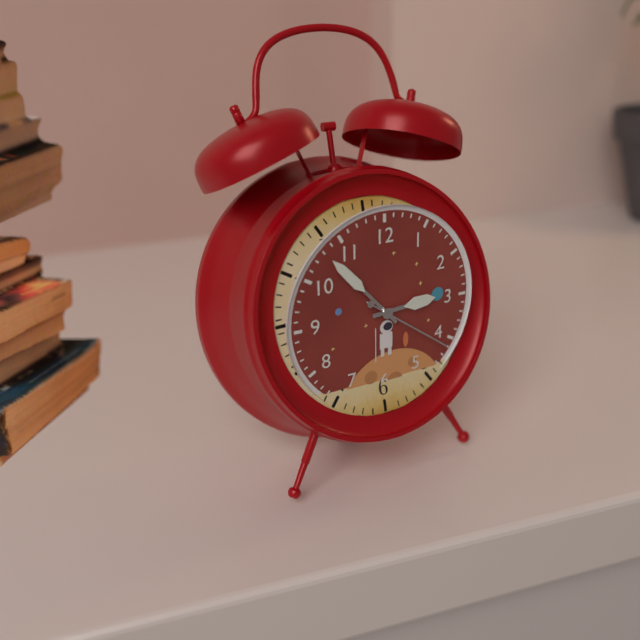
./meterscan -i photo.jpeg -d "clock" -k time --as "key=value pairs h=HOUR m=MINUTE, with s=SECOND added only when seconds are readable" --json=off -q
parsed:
h=2 m=53 s=21
